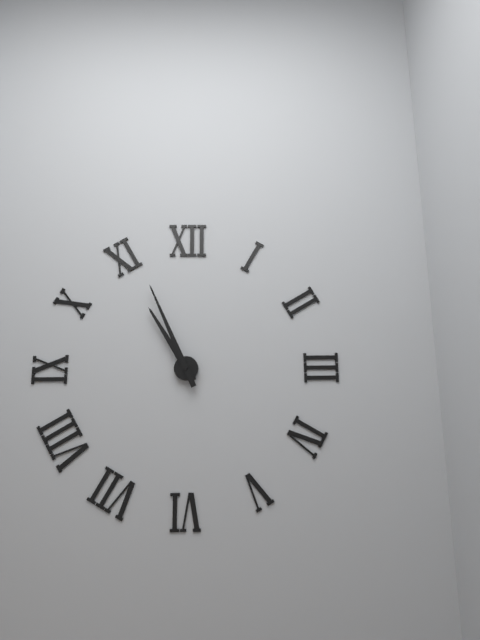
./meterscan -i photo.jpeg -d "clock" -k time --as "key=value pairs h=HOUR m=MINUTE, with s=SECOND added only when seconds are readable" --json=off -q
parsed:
h=10 m=56
